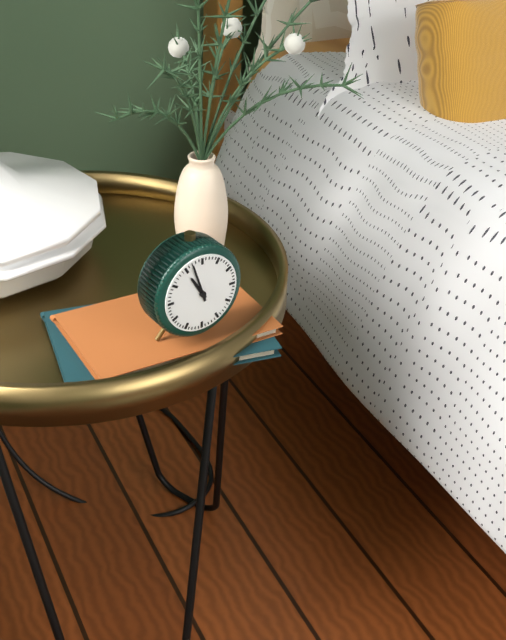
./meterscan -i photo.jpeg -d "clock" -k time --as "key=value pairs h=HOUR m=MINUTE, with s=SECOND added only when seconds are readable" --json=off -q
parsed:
h=10 m=57
